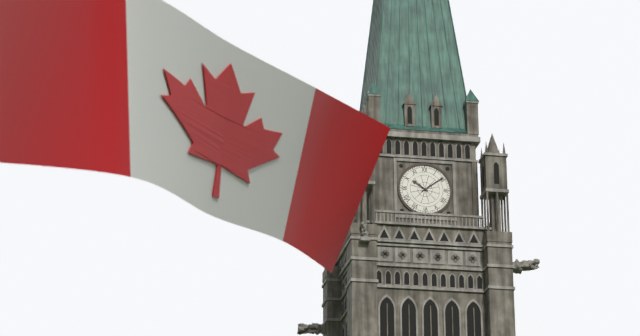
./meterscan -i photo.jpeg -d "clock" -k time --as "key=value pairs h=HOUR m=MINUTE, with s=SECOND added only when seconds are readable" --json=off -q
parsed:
h=10 m=9
